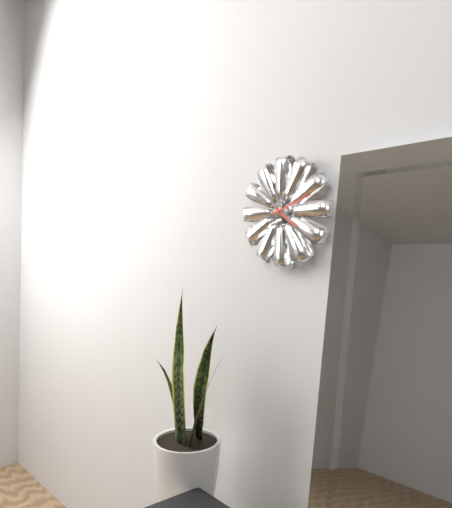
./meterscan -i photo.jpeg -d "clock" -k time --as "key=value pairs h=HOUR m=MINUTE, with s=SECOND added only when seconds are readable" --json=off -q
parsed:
h=4 m=12
